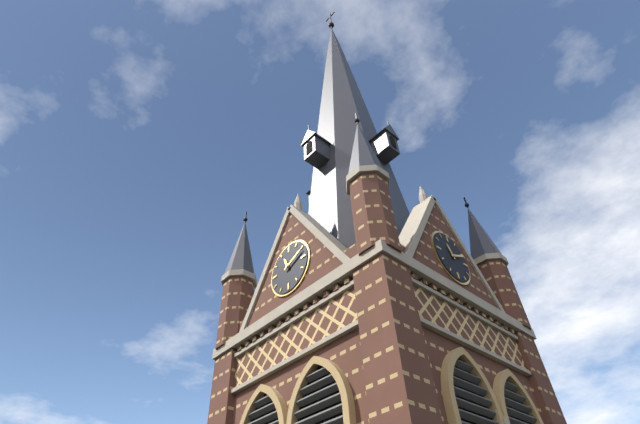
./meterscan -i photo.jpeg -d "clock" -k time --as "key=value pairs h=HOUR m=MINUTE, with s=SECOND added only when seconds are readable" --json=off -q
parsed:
h=11 m=11
